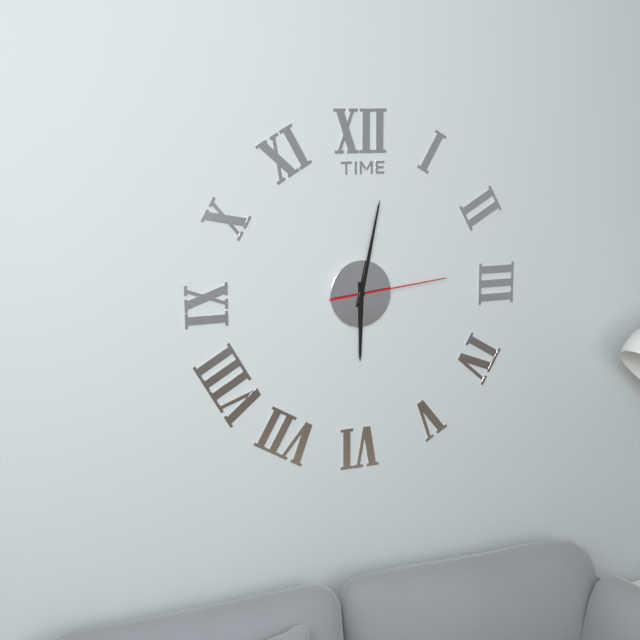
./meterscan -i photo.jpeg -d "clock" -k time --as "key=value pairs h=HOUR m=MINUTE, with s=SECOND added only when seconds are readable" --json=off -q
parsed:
h=6 m=2 s=14
